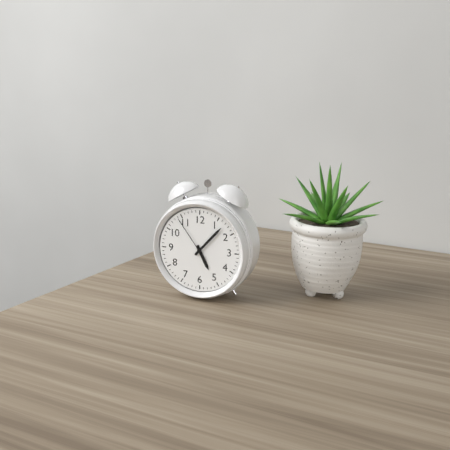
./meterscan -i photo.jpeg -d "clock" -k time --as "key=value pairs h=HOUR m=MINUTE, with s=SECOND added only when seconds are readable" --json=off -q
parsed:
h=5 m=7
